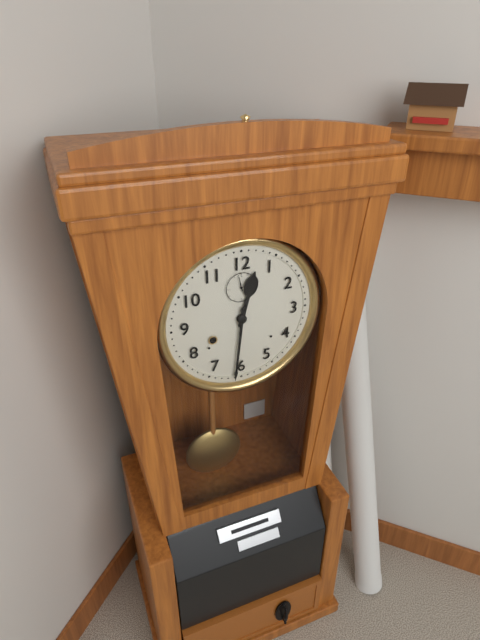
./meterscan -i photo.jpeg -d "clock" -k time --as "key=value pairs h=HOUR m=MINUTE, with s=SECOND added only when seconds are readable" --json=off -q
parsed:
h=12 m=31
